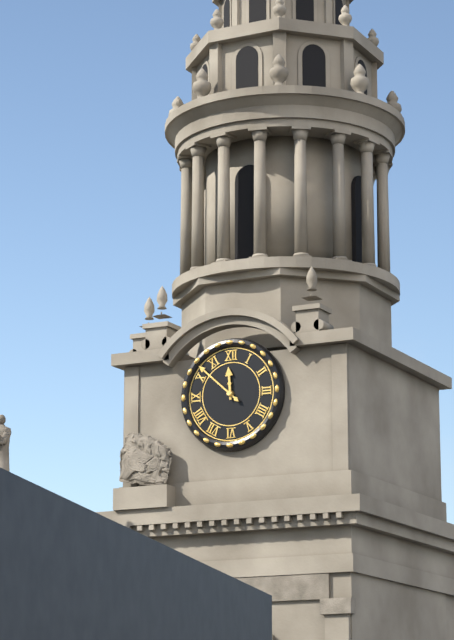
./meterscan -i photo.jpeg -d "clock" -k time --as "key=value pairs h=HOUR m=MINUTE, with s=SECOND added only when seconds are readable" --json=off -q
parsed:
h=11 m=52
